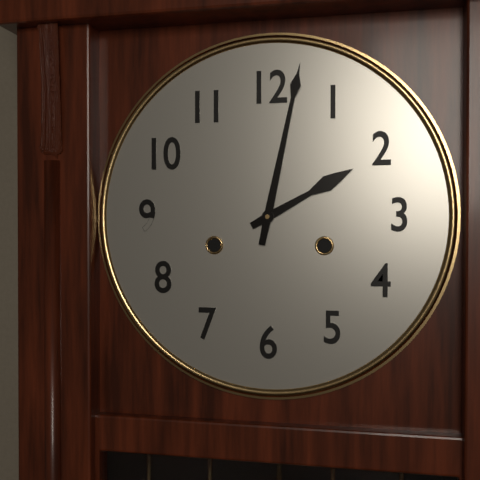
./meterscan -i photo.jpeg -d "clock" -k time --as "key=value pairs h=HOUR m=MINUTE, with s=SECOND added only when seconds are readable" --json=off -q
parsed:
h=2 m=2
